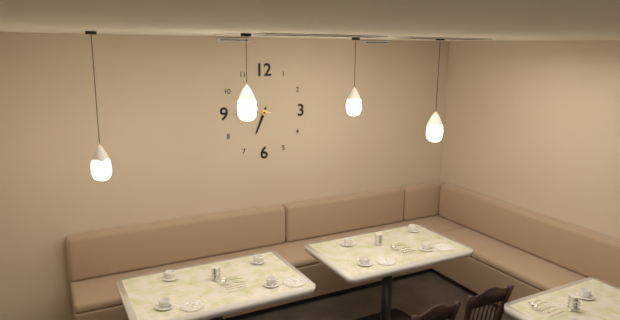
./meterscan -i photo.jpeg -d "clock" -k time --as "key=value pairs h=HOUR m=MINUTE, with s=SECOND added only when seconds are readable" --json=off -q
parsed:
h=6 m=45
